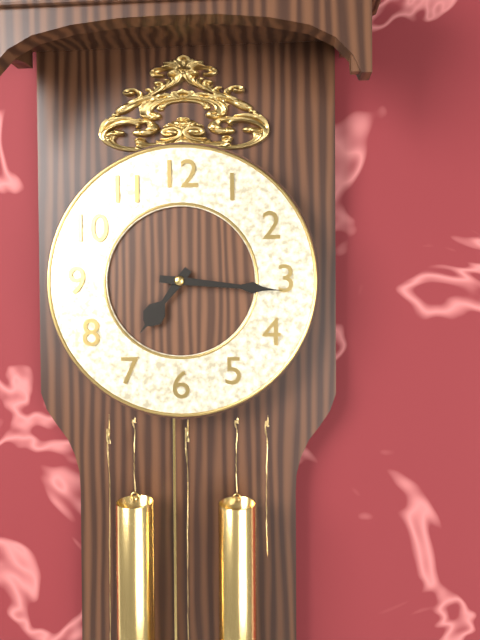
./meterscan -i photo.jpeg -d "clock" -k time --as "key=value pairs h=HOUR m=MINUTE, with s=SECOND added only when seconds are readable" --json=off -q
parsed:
h=7 m=16
